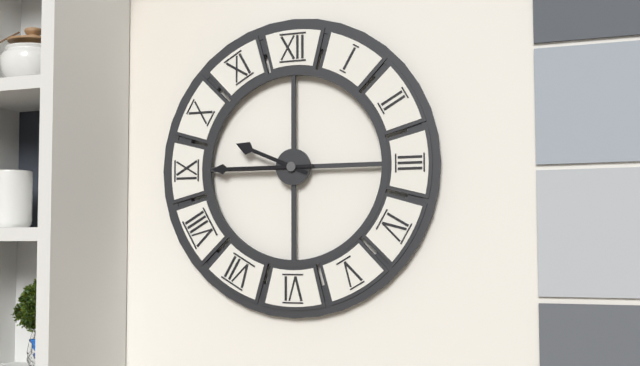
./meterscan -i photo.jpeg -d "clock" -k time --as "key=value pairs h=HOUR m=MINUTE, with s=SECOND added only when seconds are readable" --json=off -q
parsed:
h=9 m=45
